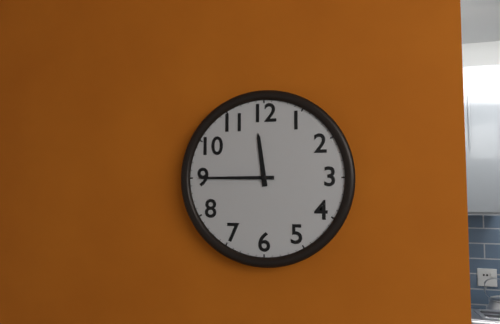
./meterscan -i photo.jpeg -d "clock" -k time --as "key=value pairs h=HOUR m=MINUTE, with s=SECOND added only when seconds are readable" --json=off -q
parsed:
h=11 m=45
